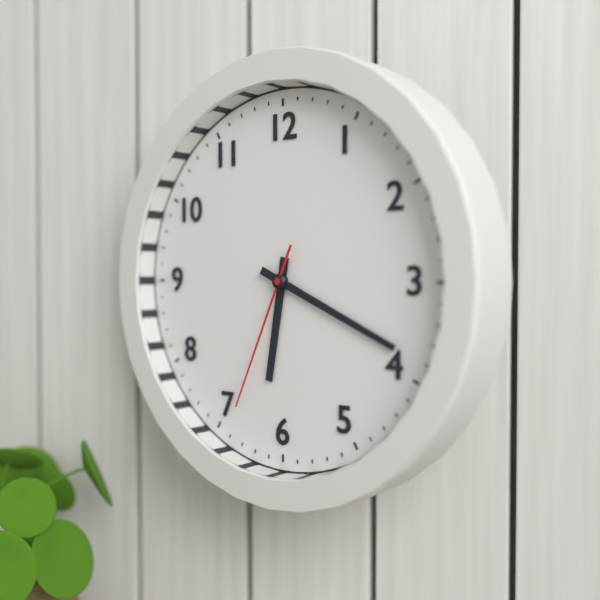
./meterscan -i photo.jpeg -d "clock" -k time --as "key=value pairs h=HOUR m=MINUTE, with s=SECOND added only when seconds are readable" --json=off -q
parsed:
h=6 m=19 s=34
